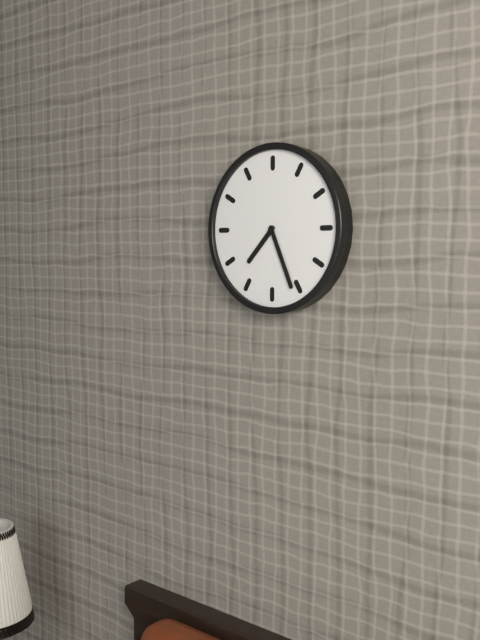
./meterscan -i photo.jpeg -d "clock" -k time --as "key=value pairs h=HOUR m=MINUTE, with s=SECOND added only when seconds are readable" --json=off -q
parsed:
h=7 m=26
